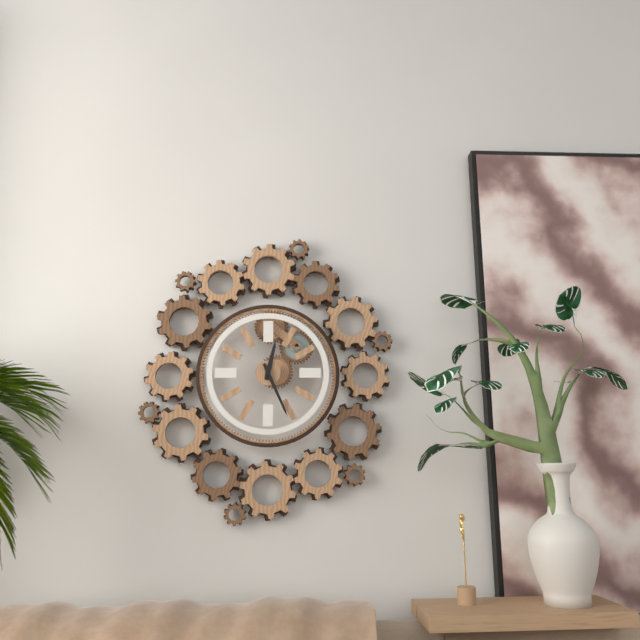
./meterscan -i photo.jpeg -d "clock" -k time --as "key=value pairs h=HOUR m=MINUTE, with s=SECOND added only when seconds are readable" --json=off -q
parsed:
h=12 m=26
